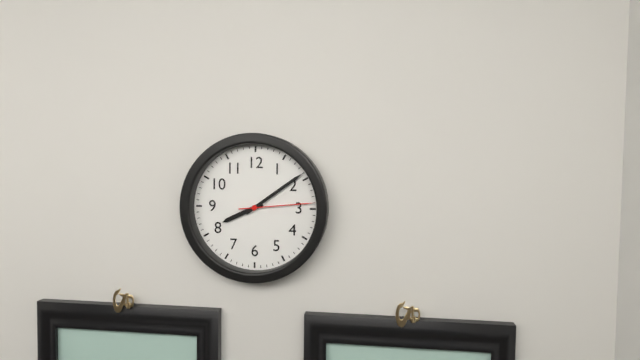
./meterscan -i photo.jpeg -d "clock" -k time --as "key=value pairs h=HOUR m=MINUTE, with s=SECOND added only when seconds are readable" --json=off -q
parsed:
h=8 m=9 s=14
